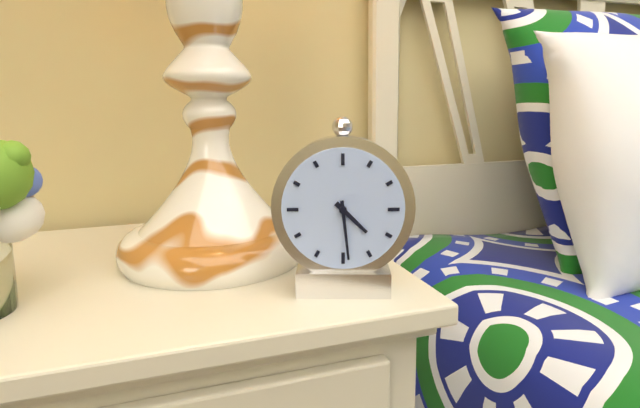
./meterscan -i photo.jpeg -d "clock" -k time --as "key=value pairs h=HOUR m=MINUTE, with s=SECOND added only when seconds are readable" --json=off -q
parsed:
h=4 m=29
